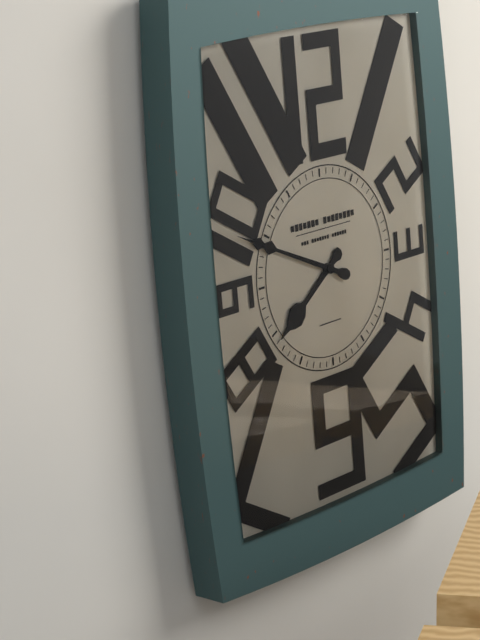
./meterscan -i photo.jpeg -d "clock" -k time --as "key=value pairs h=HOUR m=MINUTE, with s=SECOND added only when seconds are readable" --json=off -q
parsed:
h=7 m=49
